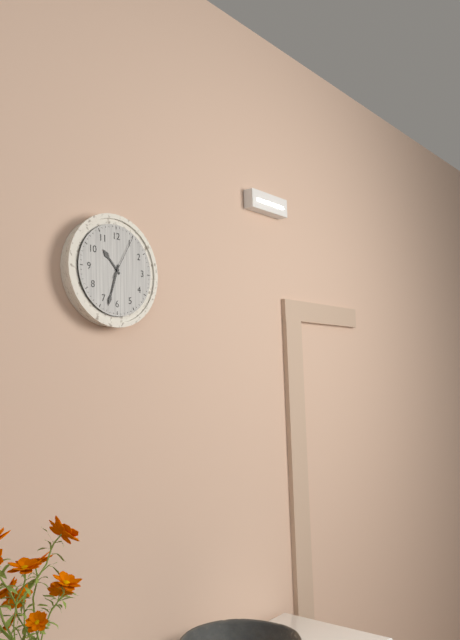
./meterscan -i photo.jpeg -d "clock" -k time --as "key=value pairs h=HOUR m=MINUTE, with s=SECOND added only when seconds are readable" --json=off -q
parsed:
h=10 m=33
